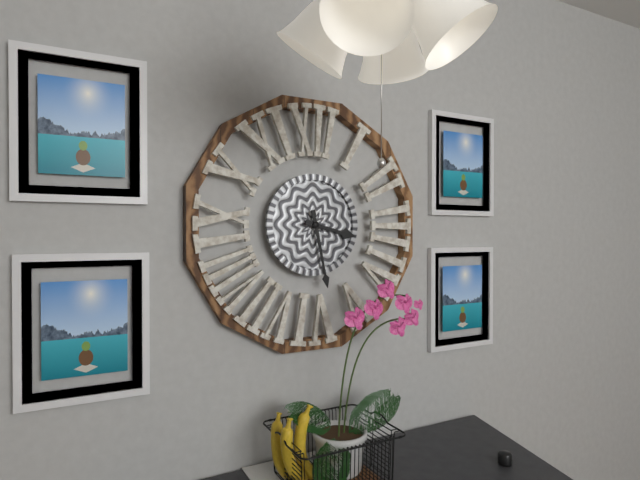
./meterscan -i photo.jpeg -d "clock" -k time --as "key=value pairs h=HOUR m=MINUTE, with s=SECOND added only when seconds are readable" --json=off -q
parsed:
h=3 m=28
